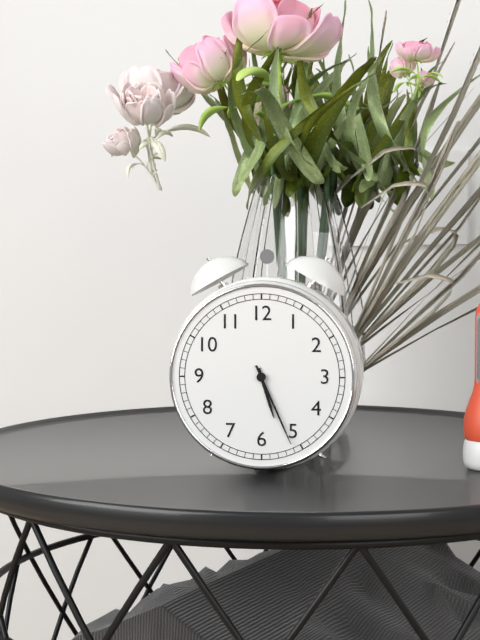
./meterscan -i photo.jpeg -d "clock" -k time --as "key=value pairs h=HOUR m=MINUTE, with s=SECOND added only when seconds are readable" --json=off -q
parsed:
h=5 m=26
